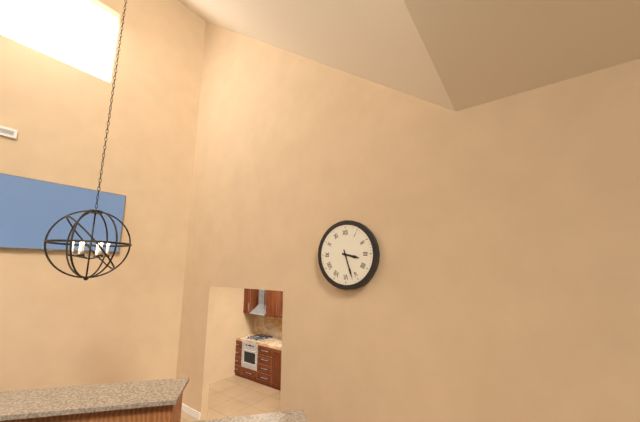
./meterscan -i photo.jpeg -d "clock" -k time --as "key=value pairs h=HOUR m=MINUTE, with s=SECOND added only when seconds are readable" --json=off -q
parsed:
h=3 m=27
